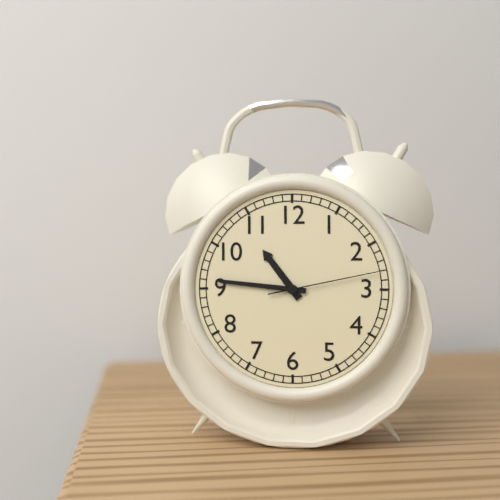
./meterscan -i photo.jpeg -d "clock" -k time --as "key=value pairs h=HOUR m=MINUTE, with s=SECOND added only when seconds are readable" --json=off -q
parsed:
h=10 m=46 s=13
